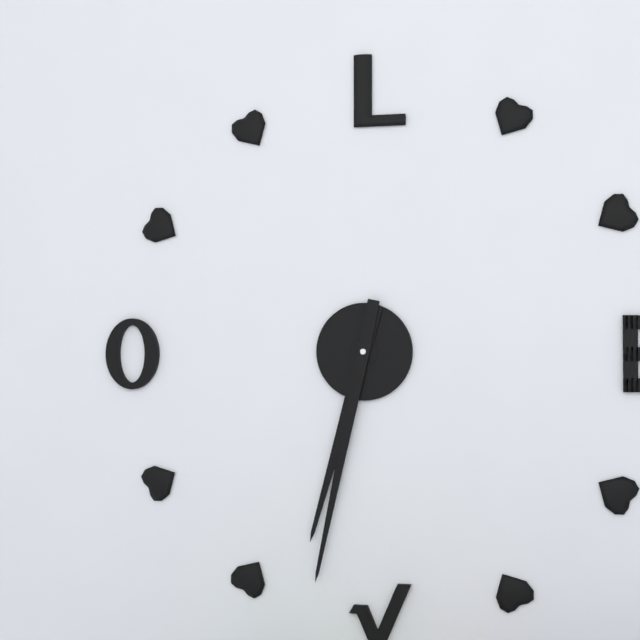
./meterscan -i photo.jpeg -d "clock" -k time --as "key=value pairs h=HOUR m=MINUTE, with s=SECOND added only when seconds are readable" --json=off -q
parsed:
h=6 m=32
